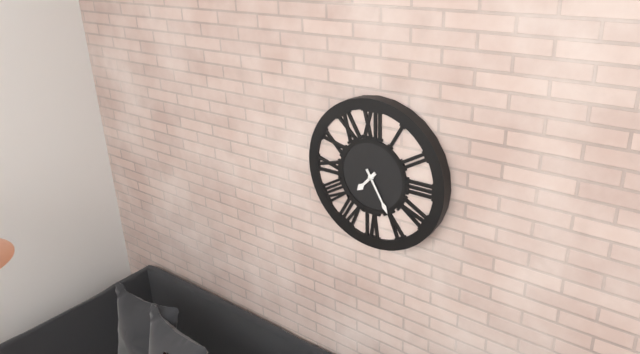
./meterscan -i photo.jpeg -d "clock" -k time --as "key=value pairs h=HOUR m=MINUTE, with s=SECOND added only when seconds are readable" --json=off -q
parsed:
h=7 m=25
